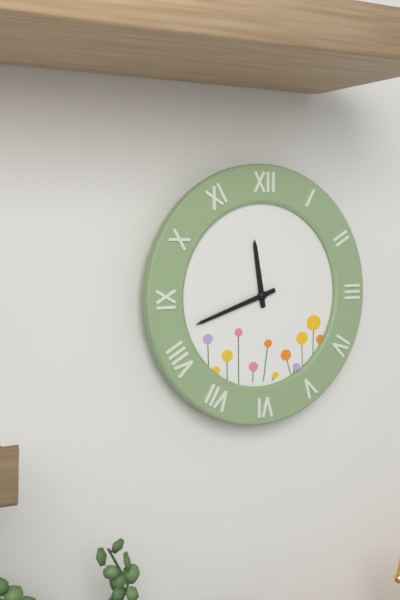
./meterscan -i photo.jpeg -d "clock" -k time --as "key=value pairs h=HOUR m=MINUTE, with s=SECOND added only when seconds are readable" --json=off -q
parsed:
h=11 m=42
